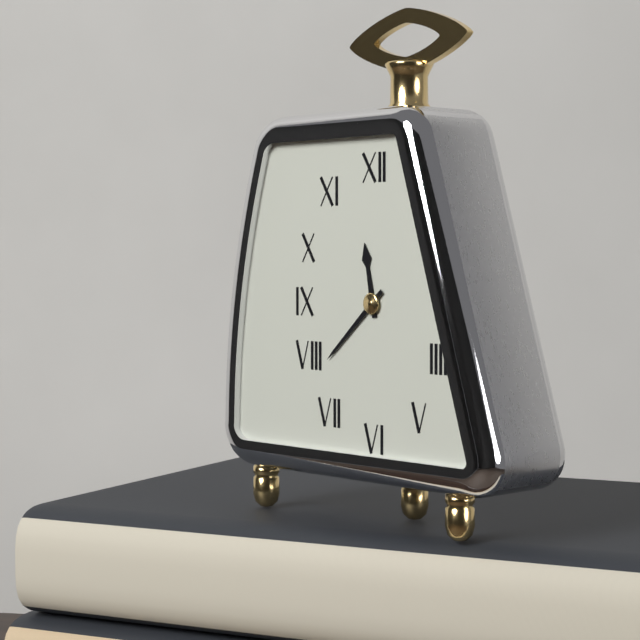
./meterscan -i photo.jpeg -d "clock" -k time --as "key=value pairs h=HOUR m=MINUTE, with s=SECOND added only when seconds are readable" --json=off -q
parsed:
h=11 m=38
